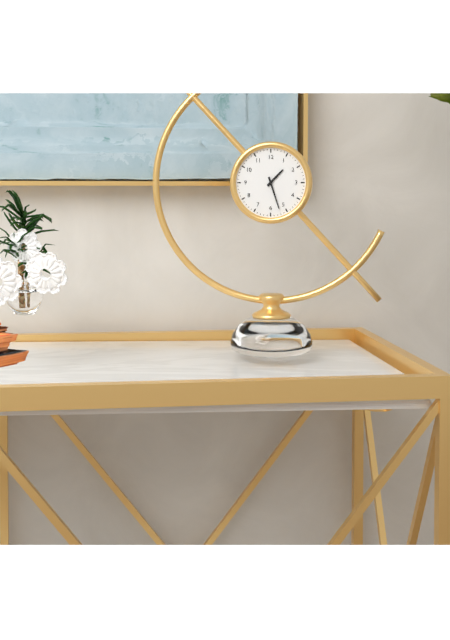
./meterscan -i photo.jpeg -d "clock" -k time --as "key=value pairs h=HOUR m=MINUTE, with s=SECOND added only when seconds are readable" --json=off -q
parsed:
h=1 m=27
